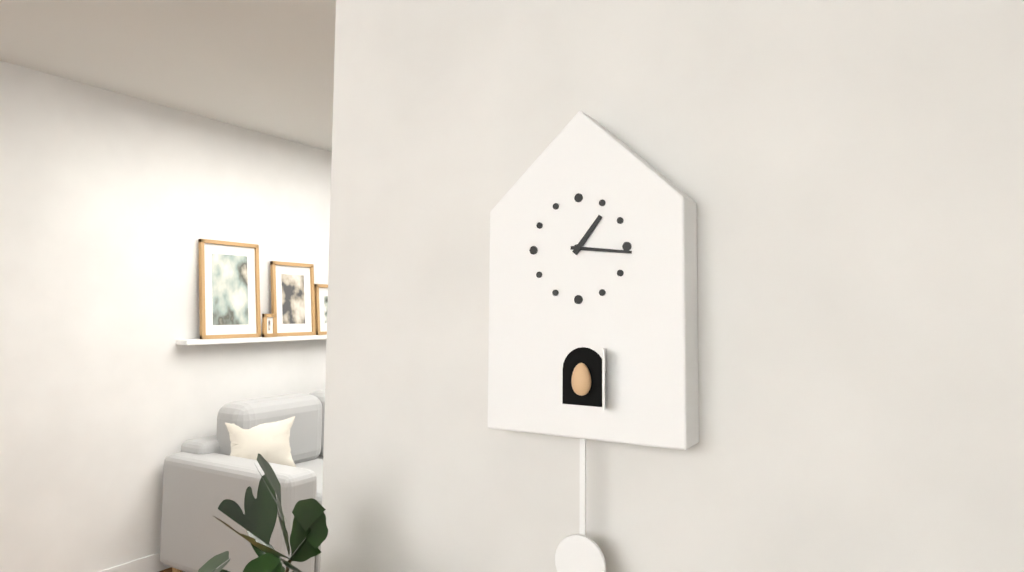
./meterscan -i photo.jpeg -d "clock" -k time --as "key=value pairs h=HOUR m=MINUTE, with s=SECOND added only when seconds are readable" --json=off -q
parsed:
h=1 m=16
